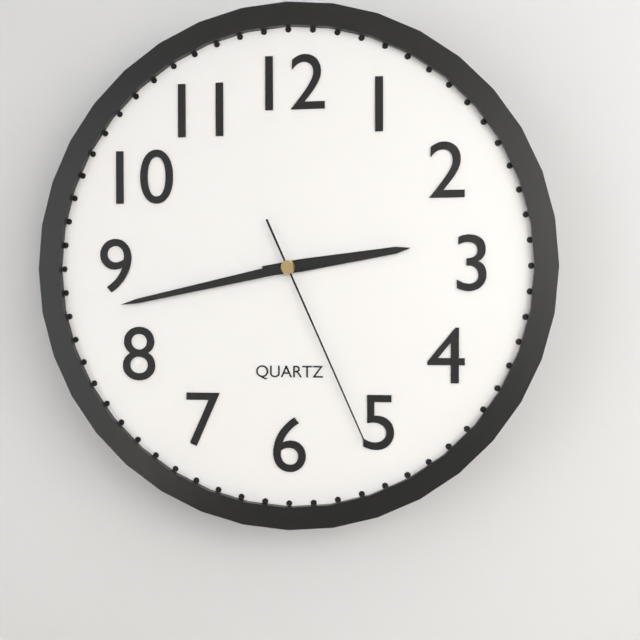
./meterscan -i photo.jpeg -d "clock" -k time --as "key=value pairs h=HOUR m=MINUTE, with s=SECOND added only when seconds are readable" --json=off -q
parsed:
h=2 m=43 s=26
